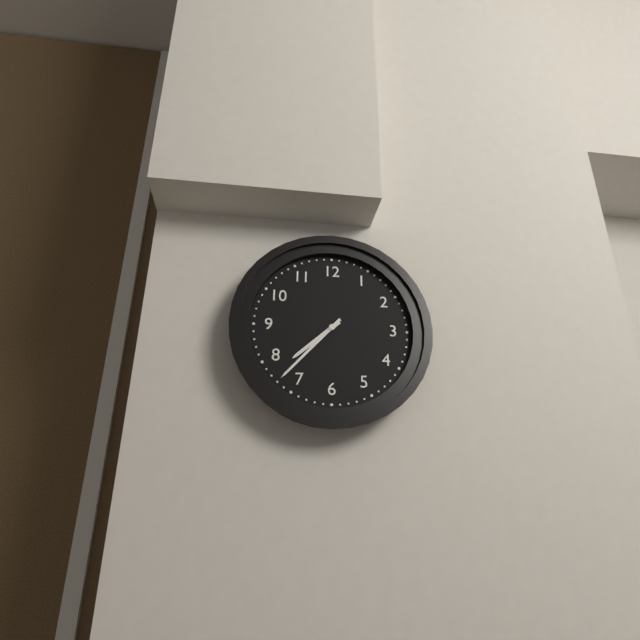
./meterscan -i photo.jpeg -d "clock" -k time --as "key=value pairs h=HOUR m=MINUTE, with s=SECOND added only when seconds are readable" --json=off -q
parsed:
h=7 m=37
